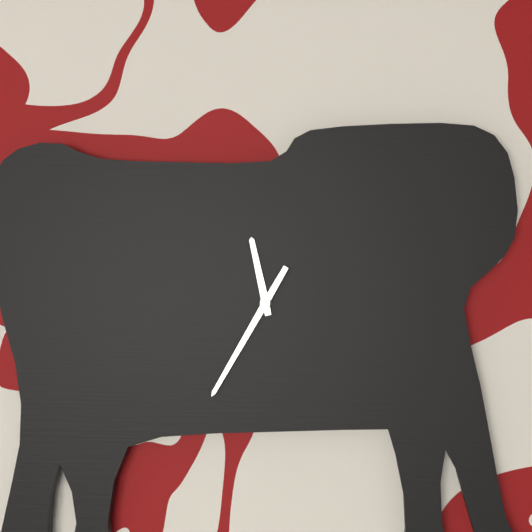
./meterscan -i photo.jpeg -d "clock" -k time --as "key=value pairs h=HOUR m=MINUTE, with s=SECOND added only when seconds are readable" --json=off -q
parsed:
h=11 m=35
